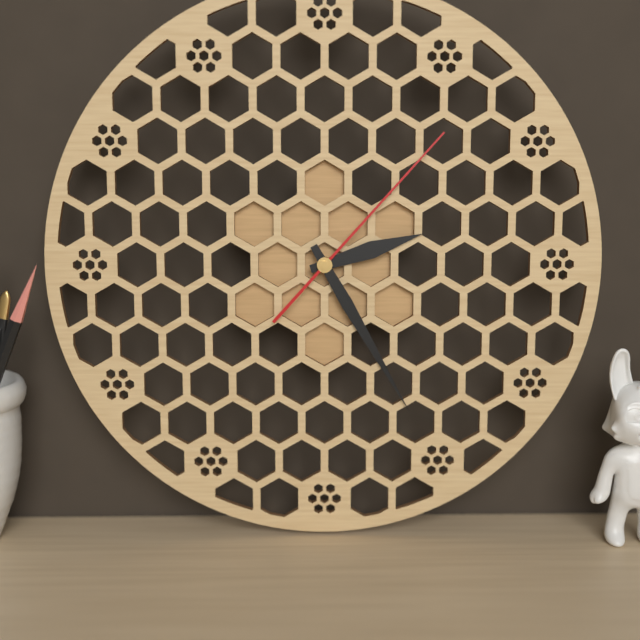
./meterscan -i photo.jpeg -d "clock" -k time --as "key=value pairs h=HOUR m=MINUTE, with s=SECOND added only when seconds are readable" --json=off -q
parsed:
h=2 m=25 s=7
